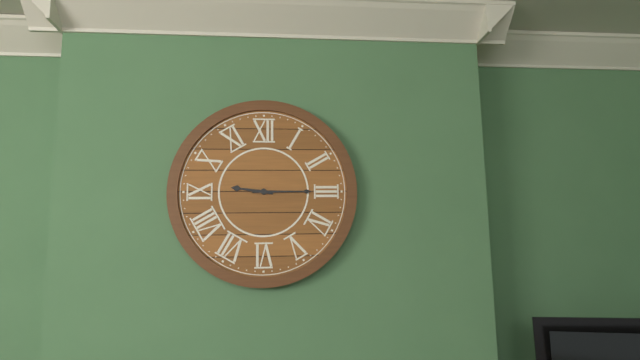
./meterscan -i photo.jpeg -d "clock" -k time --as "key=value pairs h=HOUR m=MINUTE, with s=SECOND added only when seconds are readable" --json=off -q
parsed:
h=9 m=15
